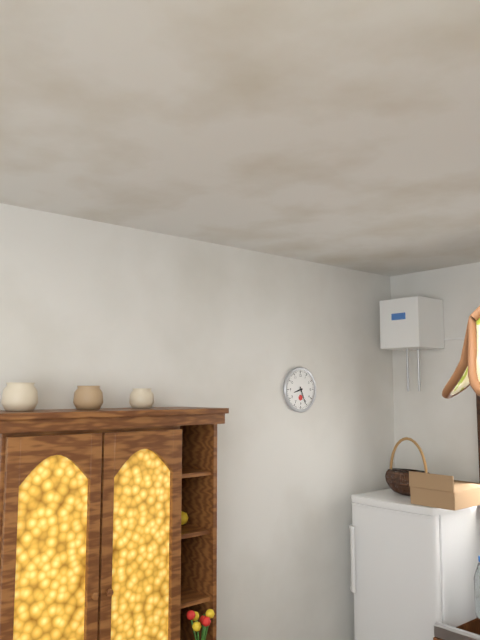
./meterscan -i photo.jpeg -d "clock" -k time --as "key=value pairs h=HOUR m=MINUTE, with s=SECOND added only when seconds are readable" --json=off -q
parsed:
h=8 m=26
